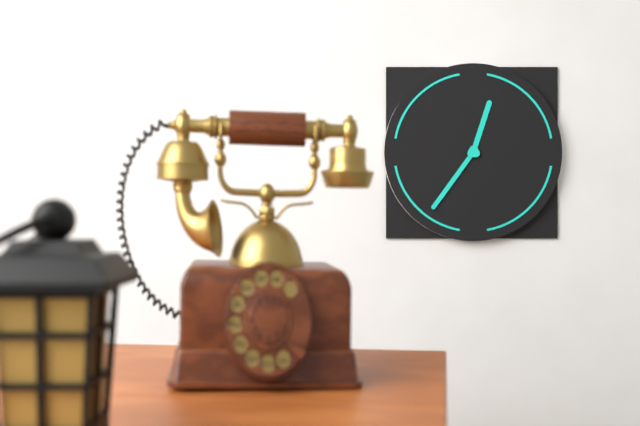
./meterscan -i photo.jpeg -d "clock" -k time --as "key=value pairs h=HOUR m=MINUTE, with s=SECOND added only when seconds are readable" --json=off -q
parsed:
h=12 m=36
